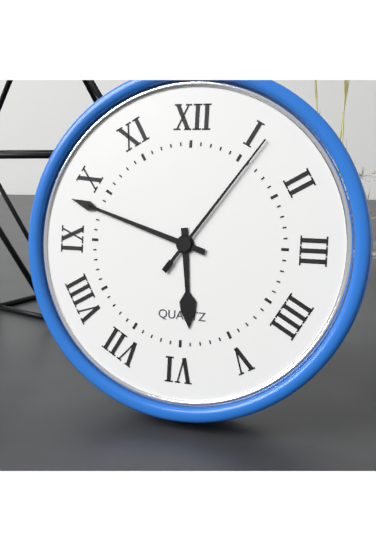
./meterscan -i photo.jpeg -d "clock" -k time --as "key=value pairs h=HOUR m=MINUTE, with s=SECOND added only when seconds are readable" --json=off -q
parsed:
h=5 m=48 s=6
